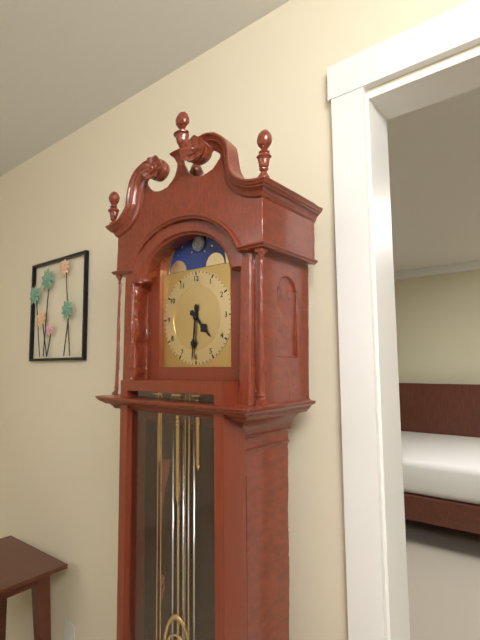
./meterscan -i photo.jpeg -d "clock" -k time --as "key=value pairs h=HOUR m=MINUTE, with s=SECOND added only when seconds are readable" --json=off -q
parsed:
h=4 m=31
